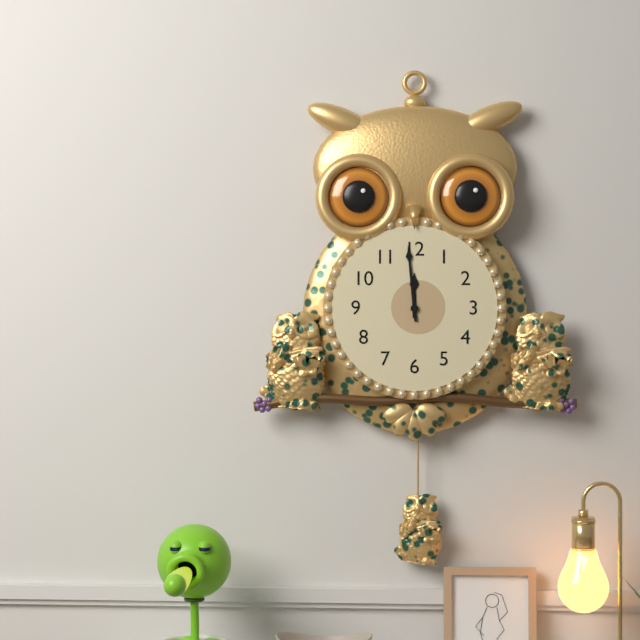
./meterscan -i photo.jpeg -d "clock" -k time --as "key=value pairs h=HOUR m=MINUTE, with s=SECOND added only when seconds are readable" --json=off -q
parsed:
h=11 m=59
